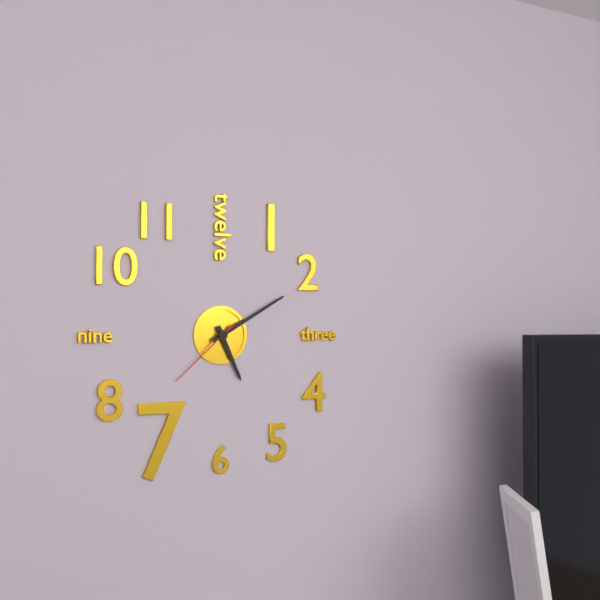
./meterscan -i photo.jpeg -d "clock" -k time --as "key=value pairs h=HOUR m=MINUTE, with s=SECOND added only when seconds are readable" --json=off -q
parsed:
h=5 m=10 s=38
